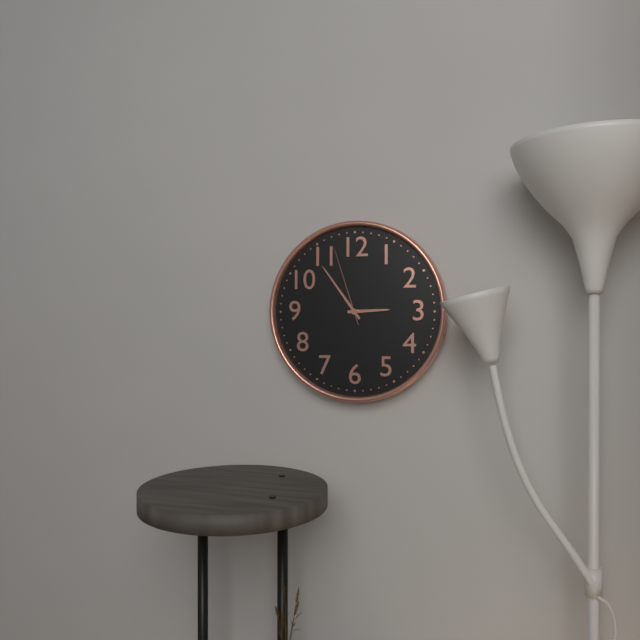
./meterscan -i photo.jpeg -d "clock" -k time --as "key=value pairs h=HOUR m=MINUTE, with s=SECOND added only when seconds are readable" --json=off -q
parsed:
h=2 m=54 s=57
